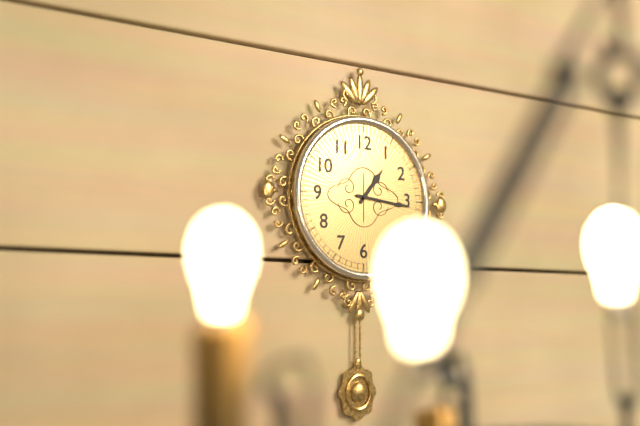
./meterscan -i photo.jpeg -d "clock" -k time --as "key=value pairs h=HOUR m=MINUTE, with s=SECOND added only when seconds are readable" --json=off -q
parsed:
h=1 m=16
